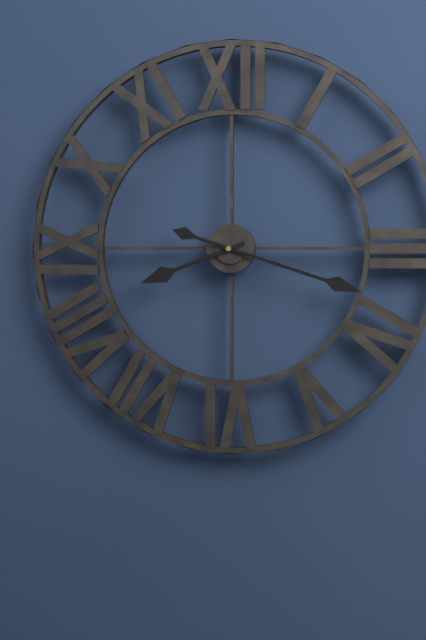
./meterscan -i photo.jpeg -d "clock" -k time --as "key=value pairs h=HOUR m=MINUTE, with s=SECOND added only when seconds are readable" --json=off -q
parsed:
h=8 m=18
